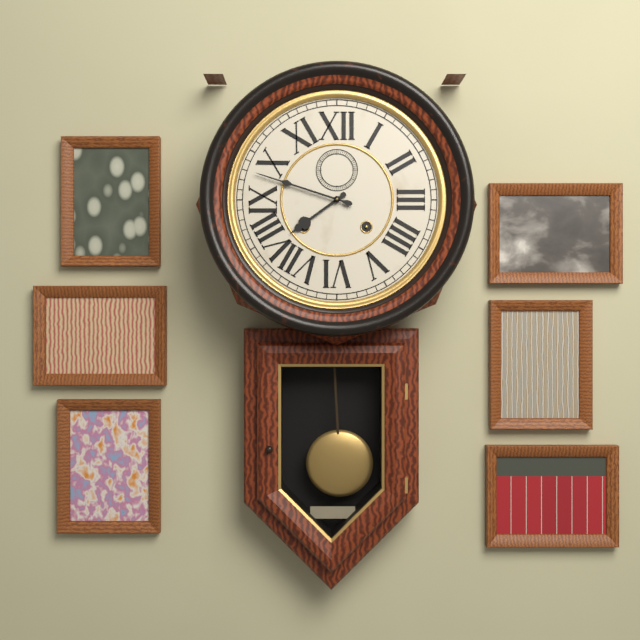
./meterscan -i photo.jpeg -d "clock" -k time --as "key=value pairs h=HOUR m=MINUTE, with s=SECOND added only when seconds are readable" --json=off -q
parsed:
h=7 m=48
